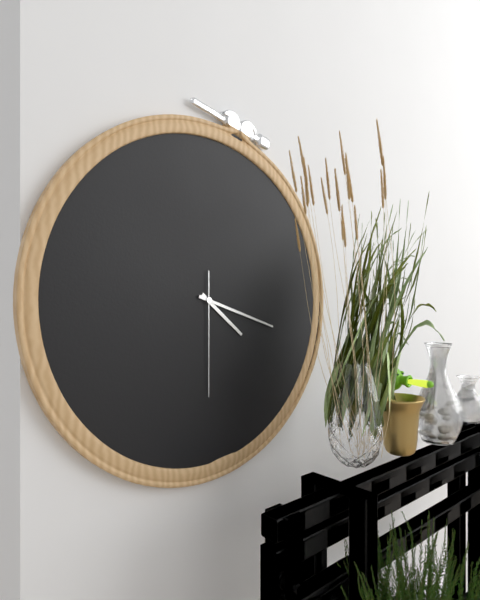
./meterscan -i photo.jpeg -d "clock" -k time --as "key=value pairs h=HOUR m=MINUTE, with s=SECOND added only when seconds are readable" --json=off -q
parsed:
h=4 m=18 s=30
